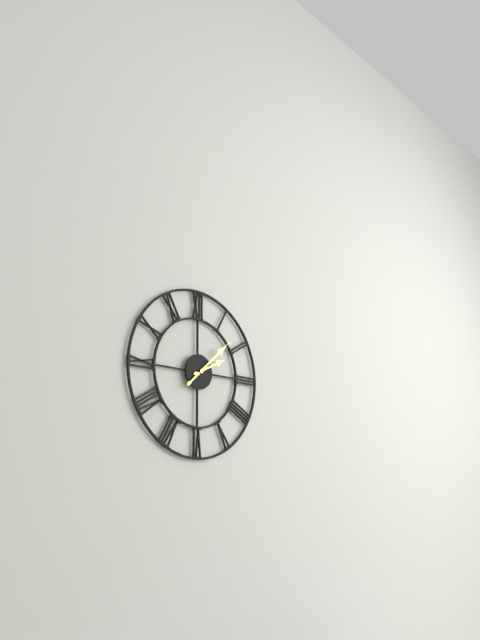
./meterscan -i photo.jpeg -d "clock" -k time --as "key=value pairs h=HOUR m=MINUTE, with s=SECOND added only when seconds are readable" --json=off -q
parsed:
h=2 m=8
